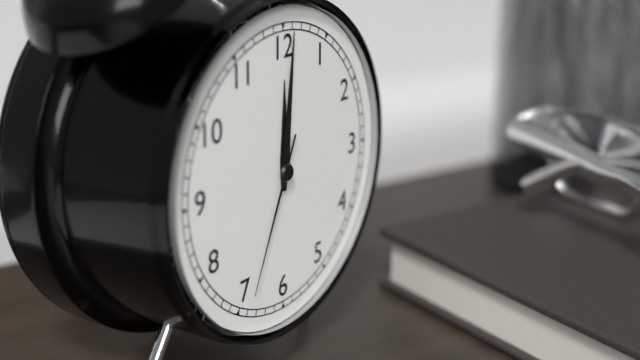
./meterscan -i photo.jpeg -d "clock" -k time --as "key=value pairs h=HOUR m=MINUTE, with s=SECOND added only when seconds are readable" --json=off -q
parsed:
h=12 m=1 s=34
